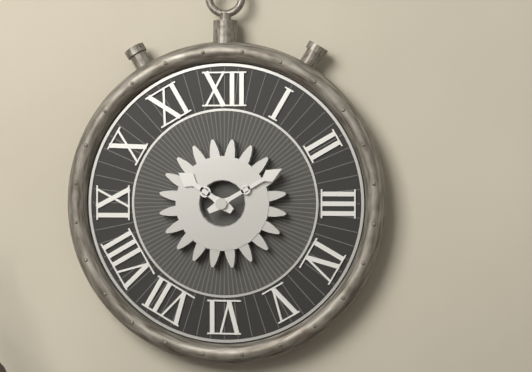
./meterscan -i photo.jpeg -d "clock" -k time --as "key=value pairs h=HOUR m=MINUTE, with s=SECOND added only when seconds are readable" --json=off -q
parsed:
h=10 m=10
